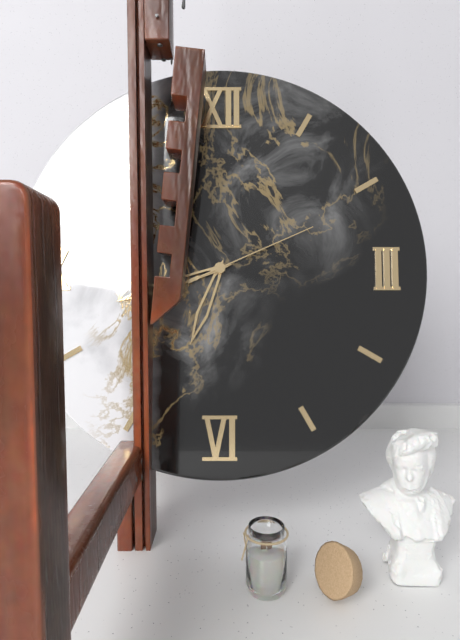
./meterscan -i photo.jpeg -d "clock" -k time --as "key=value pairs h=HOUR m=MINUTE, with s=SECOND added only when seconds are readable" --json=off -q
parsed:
h=6 m=42 s=11
